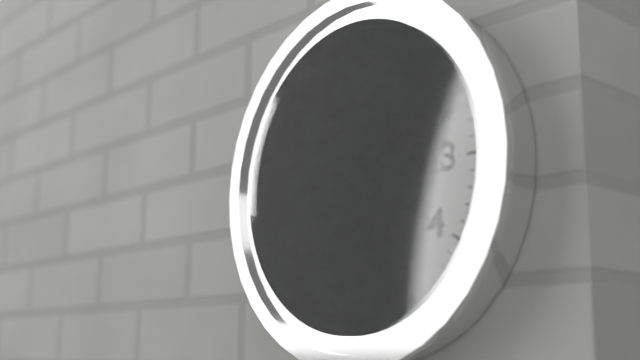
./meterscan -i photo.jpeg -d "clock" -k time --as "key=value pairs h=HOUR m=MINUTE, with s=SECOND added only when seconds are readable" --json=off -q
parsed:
h=8 m=12
